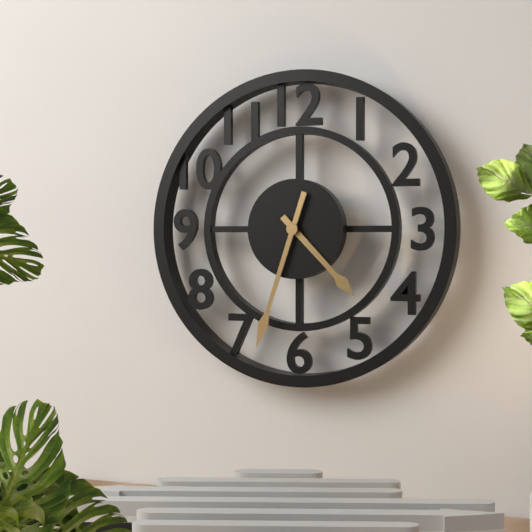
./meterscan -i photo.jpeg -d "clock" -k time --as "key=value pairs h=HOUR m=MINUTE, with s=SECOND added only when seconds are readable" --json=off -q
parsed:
h=4 m=33
